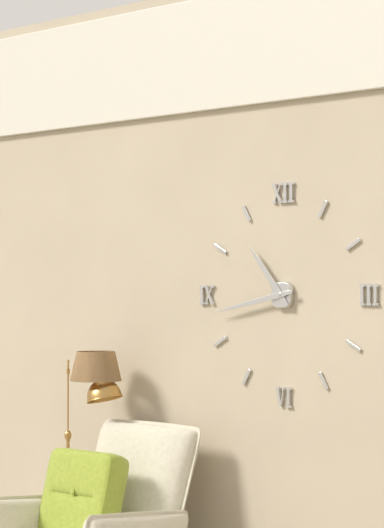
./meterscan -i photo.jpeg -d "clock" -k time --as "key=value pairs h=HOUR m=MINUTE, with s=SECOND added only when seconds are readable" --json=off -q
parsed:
h=10 m=43
